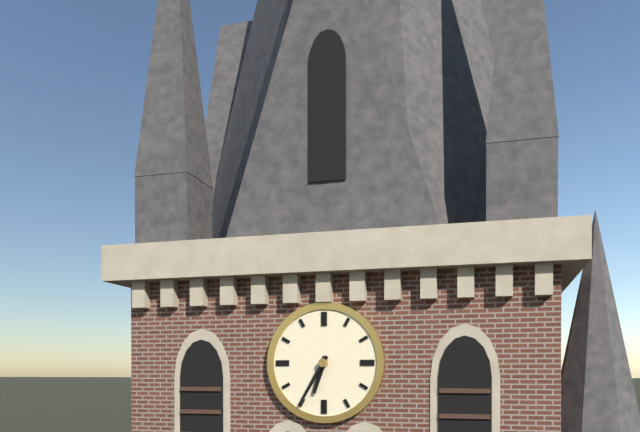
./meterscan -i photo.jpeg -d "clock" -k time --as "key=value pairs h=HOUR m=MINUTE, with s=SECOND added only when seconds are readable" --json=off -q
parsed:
h=6 m=35
